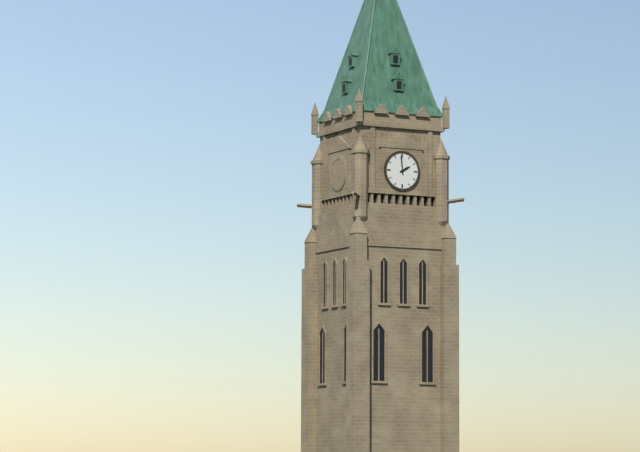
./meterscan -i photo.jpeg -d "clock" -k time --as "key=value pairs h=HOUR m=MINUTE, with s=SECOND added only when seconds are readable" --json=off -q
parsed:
h=1 m=59
